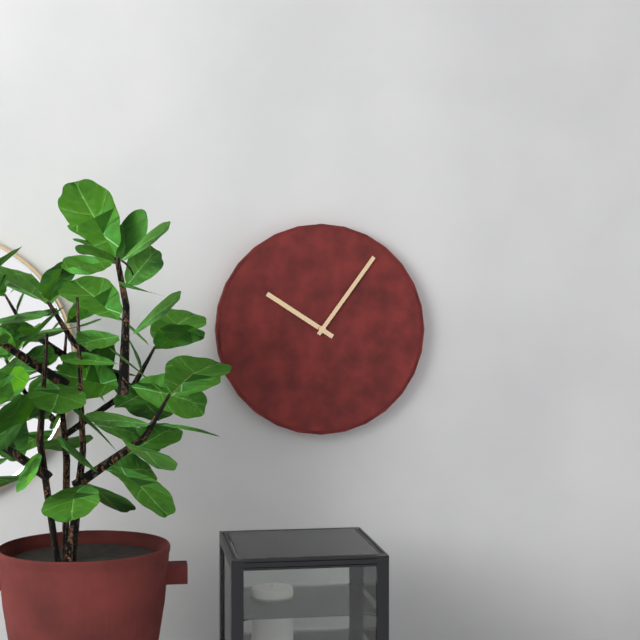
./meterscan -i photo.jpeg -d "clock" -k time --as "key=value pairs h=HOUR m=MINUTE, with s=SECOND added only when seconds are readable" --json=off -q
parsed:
h=10 m=6
